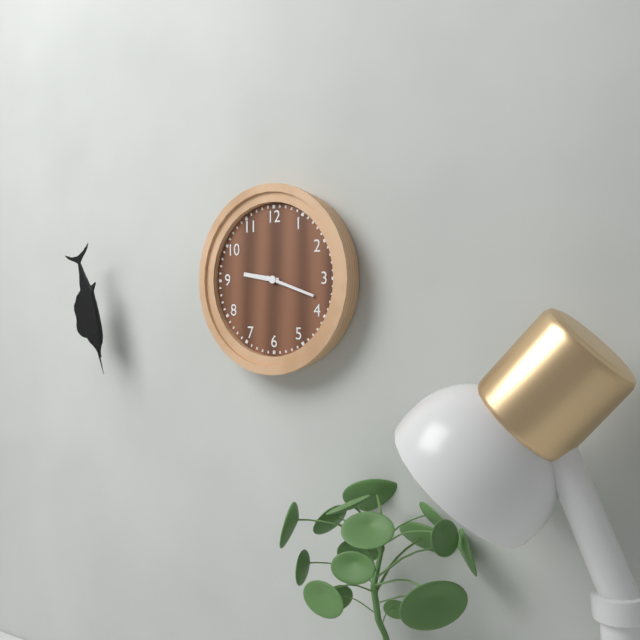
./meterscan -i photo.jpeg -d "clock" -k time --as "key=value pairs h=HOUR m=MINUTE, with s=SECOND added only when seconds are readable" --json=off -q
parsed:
h=9 m=18
